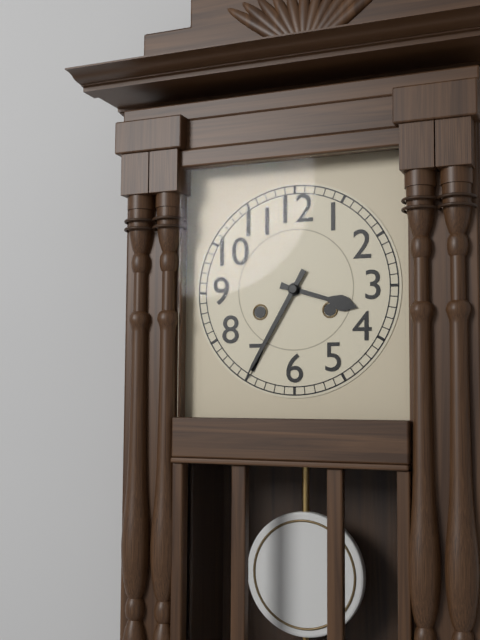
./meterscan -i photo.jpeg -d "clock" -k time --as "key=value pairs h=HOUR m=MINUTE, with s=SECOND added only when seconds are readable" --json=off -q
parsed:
h=3 m=35
